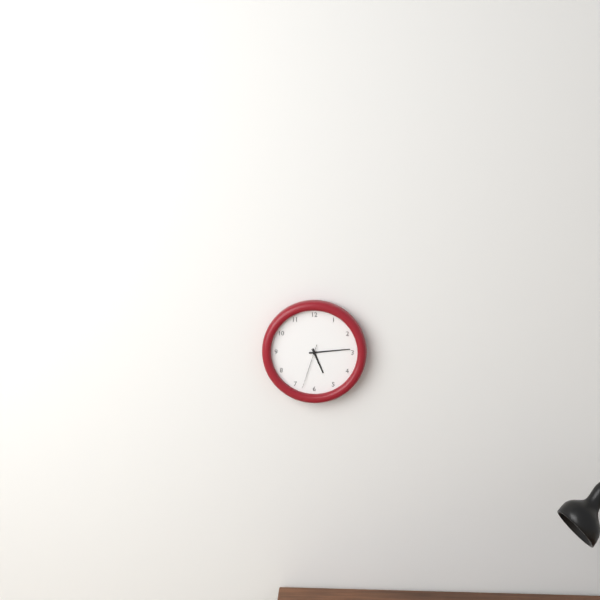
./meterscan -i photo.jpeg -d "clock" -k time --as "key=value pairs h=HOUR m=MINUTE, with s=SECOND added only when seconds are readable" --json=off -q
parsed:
h=5 m=14
